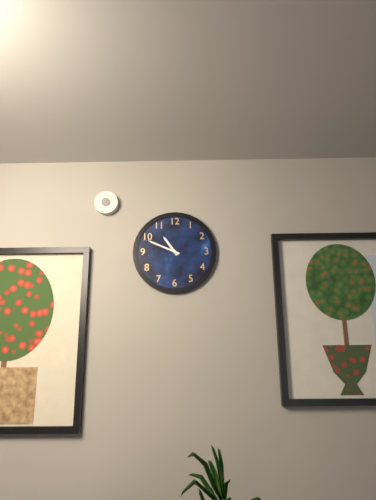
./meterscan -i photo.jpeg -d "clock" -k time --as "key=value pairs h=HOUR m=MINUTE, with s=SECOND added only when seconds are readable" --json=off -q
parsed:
h=10 m=49
